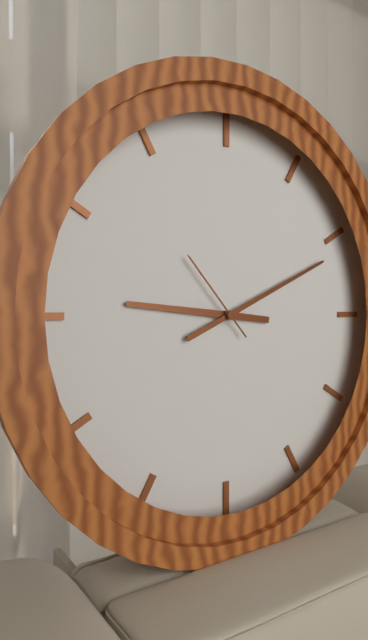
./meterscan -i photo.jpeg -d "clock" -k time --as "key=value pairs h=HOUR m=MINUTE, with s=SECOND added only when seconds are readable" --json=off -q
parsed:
h=9 m=11 s=53
